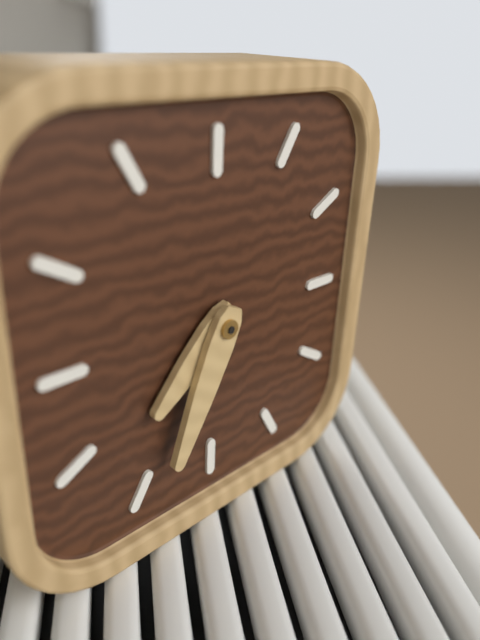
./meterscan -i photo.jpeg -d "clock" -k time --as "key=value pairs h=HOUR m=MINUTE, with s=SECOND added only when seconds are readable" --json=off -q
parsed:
h=7 m=34
